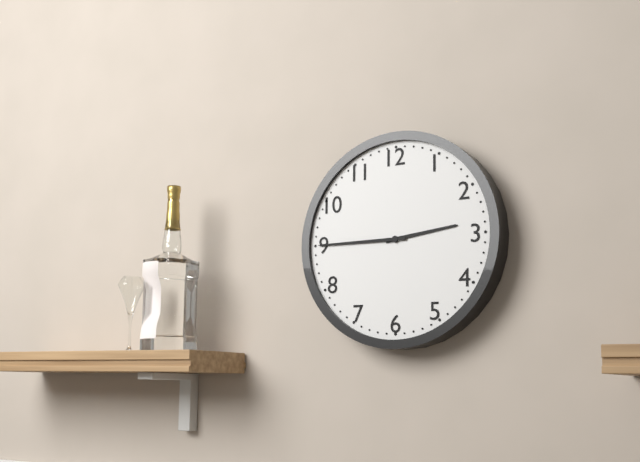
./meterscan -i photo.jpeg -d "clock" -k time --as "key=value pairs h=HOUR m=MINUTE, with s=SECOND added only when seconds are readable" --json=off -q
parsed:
h=2 m=45
